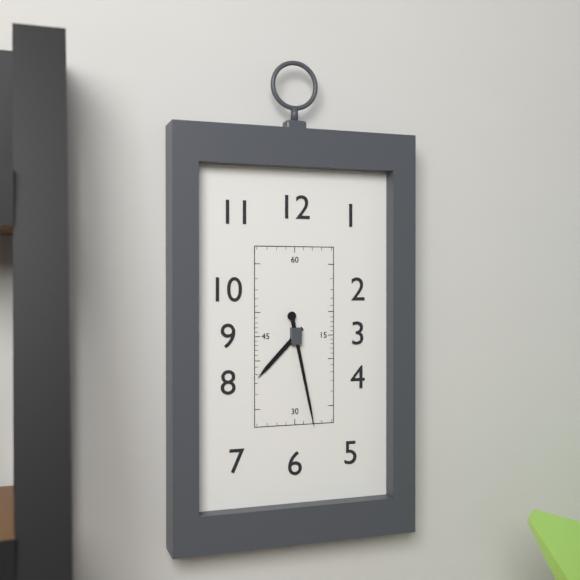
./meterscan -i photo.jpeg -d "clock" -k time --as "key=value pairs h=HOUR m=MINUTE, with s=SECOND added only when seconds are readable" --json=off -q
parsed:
h=7 m=28
